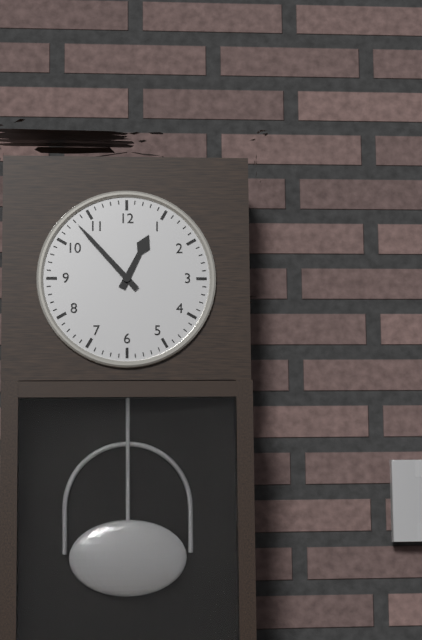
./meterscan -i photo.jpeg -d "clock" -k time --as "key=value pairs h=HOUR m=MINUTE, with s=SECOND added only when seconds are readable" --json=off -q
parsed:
h=12 m=53
